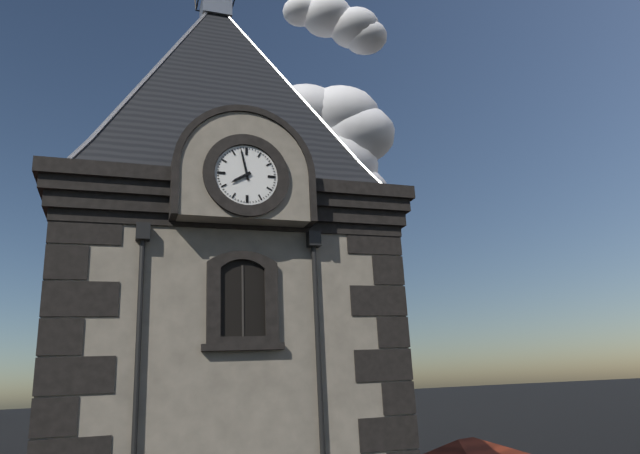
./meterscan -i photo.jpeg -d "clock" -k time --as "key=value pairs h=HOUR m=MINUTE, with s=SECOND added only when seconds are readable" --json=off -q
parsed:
h=7 m=58
